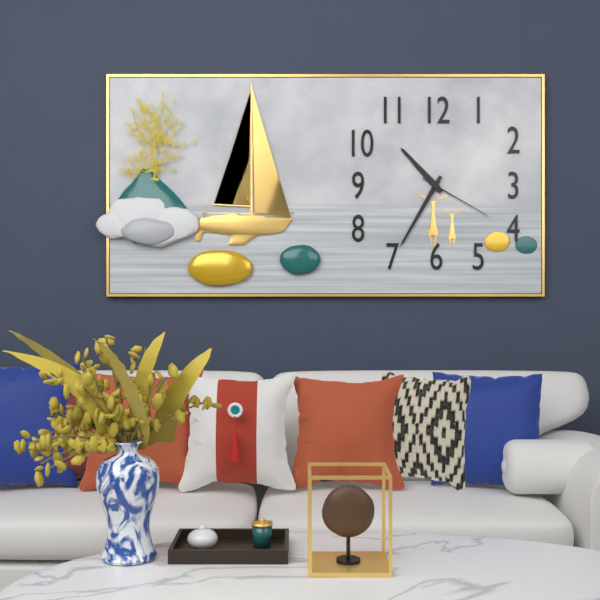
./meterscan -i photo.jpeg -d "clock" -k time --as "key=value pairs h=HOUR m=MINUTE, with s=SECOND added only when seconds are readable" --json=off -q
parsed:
h=10 m=35 s=20
